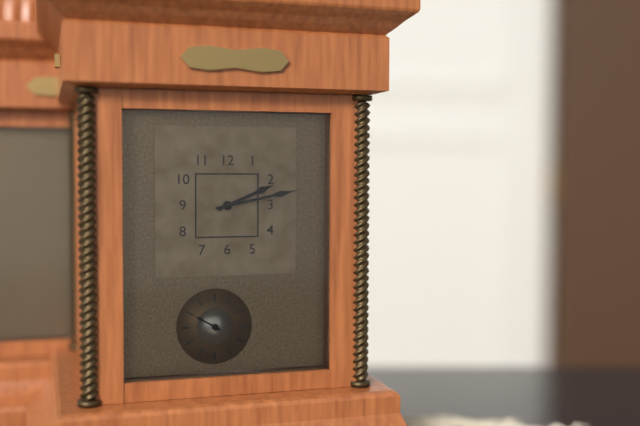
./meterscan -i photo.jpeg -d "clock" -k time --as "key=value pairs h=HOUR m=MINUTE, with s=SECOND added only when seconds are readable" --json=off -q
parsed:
h=2 m=13
